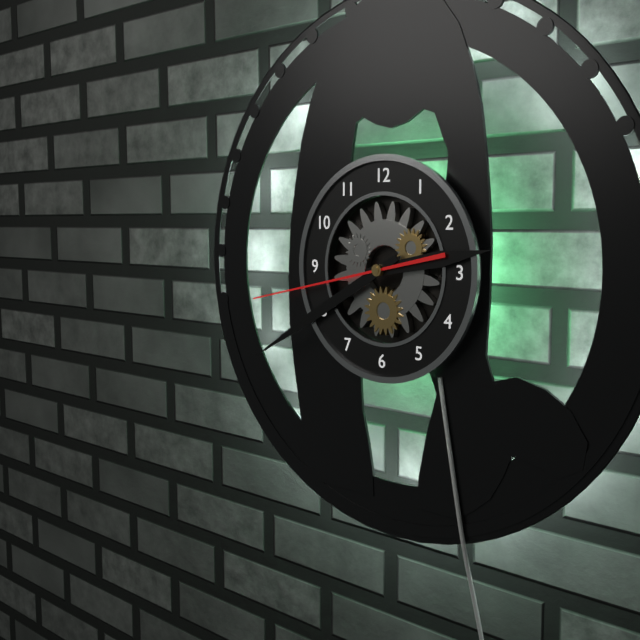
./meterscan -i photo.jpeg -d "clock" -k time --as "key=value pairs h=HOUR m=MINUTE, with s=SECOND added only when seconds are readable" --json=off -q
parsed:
h=2 m=40 s=43
